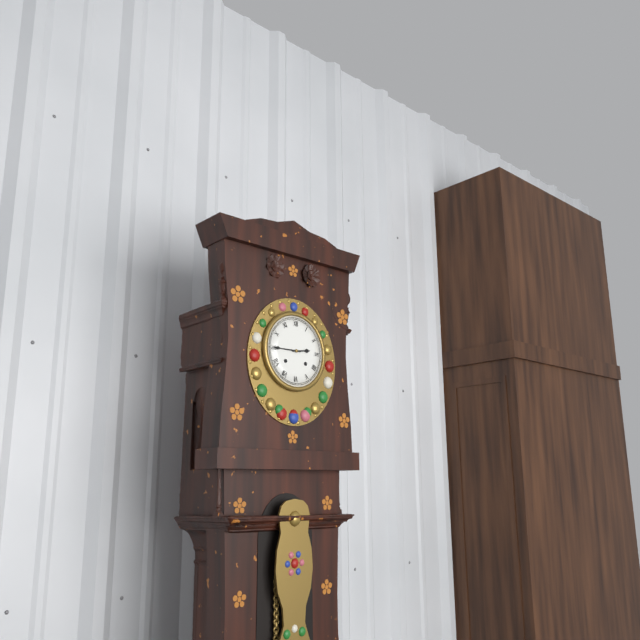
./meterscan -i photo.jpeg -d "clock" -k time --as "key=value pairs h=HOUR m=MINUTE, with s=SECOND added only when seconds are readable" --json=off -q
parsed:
h=2 m=45
